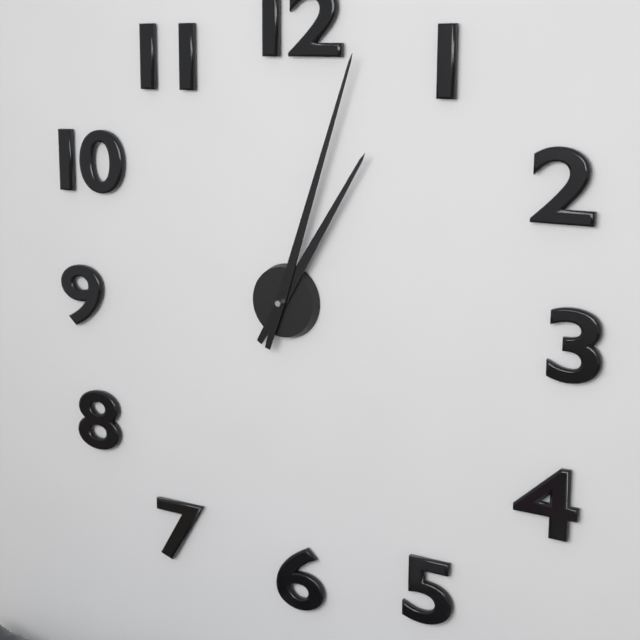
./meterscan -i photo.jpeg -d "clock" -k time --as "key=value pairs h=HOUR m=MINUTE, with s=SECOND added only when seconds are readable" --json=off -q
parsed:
h=1 m=3
